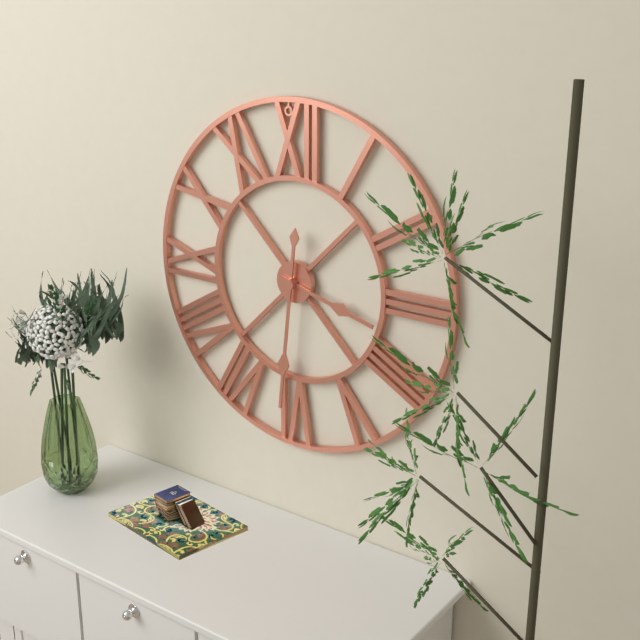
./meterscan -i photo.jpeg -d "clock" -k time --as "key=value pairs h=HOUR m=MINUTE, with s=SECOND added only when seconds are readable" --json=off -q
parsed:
h=3 m=31
